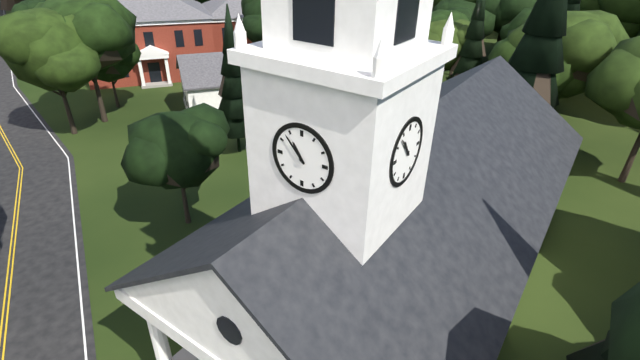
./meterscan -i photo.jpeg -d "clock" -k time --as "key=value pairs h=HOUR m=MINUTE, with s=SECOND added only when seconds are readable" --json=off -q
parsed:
h=10 m=53
